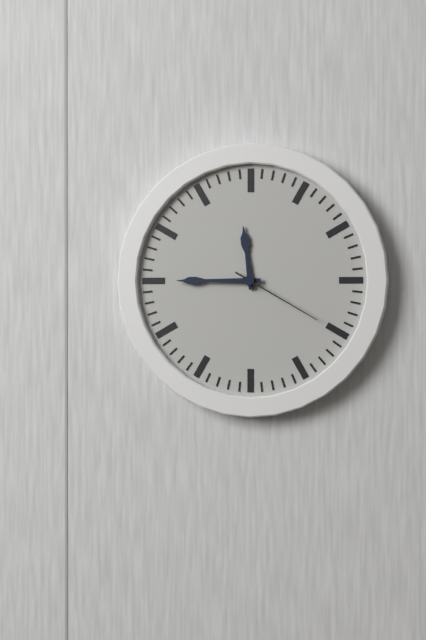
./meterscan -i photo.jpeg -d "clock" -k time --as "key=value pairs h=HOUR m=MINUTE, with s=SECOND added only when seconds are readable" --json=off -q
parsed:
h=11 m=45 s=20
